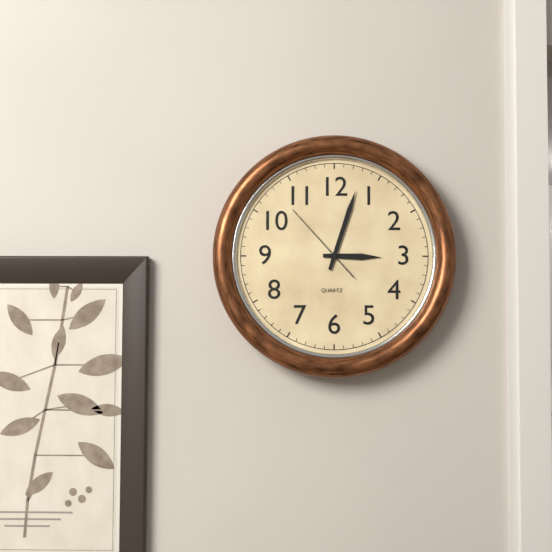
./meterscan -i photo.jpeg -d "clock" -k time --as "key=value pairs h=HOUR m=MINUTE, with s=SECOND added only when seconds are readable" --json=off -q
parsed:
h=3 m=3 s=53
